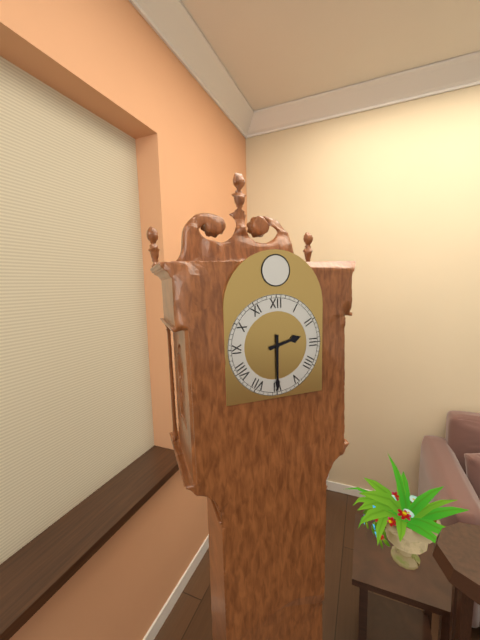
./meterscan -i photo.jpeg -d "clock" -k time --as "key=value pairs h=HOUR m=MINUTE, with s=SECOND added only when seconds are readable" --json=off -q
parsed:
h=2 m=30
